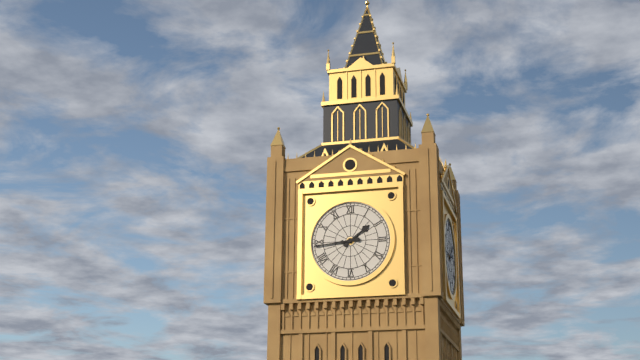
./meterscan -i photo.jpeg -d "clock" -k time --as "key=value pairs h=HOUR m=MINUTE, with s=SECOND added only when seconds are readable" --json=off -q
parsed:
h=1 m=44
